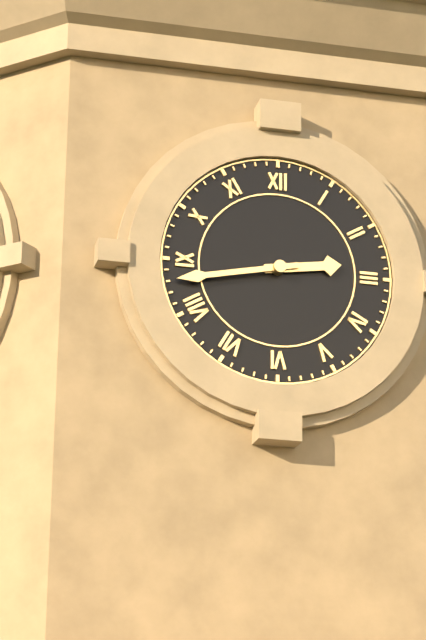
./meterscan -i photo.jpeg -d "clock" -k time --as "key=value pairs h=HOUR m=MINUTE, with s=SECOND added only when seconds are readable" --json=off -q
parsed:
h=2 m=43
